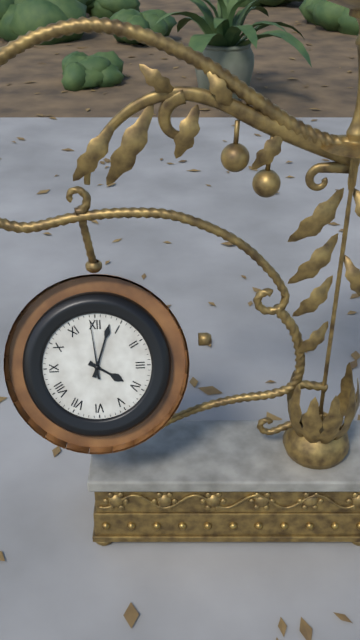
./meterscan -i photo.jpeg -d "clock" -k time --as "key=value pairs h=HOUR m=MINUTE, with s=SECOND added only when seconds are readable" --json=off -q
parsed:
h=4 m=3 s=59
